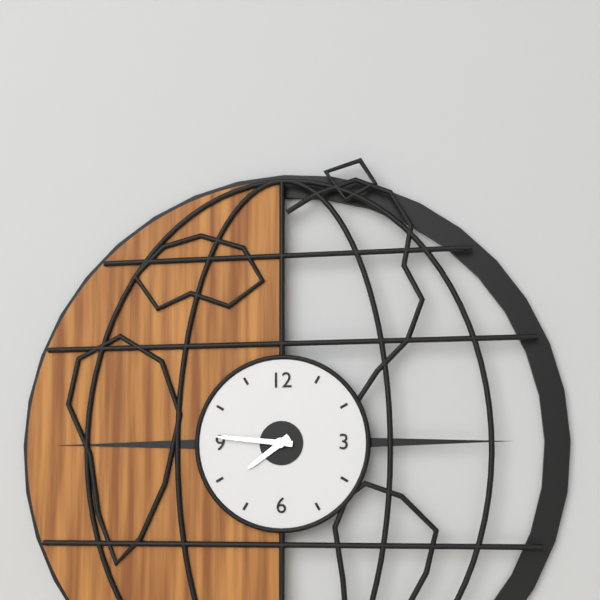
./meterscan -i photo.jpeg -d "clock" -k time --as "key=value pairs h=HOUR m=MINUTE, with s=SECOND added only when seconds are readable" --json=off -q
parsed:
h=7 m=46
